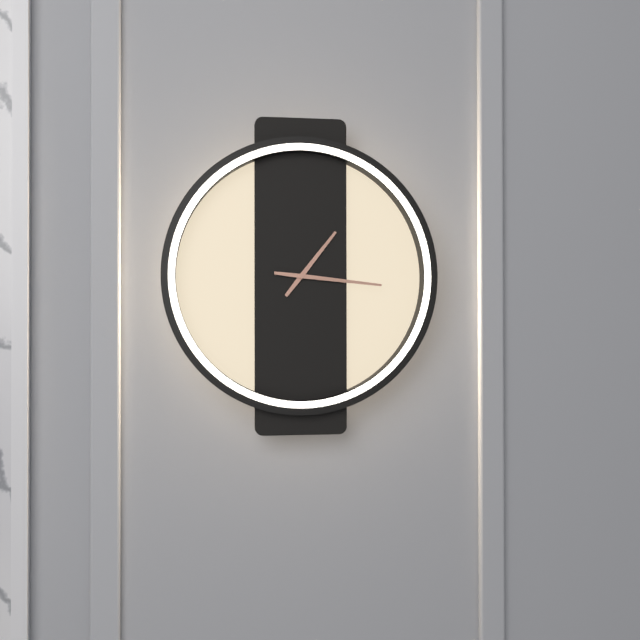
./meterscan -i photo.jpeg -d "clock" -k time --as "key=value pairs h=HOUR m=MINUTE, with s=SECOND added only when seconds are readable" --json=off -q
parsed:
h=1 m=16
